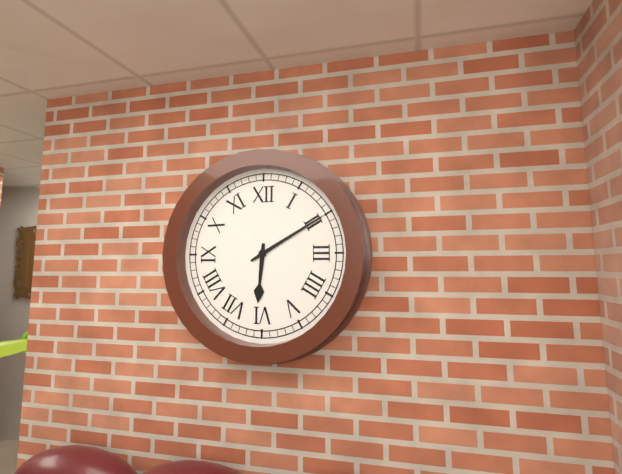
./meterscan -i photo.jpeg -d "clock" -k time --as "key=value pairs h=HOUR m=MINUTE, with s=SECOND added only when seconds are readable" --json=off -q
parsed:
h=6 m=10
